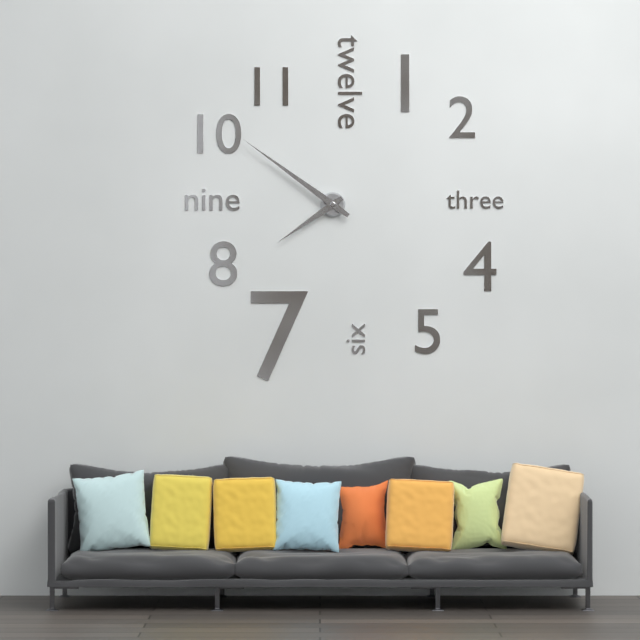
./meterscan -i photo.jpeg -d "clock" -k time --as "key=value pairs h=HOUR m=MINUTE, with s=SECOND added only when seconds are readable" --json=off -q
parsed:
h=7 m=51
